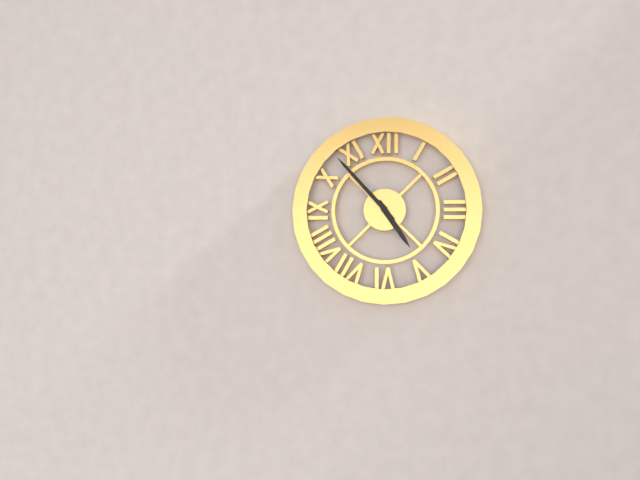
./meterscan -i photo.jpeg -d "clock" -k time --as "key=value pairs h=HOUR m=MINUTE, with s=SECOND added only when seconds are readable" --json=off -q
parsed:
h=4 m=53
